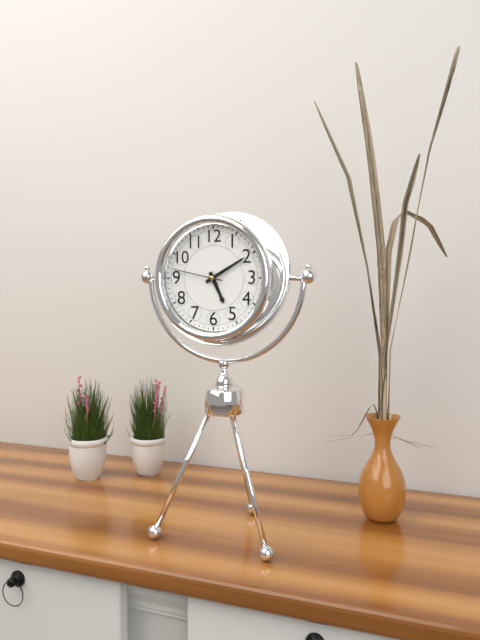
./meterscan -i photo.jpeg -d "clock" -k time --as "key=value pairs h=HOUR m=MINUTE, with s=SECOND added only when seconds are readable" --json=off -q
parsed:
h=5 m=10 s=47
